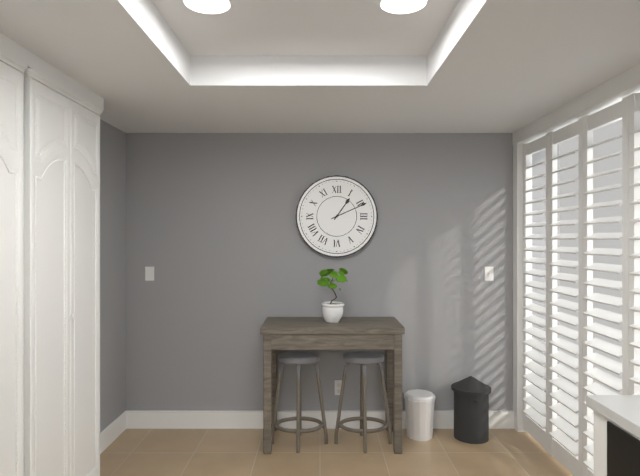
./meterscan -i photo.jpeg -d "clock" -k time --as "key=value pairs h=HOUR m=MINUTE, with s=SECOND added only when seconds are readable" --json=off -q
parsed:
h=1 m=11
